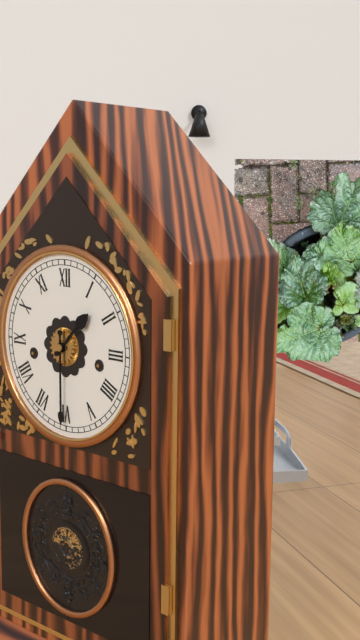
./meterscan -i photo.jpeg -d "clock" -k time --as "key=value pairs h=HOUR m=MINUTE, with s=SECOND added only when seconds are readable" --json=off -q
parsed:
h=1 m=30
